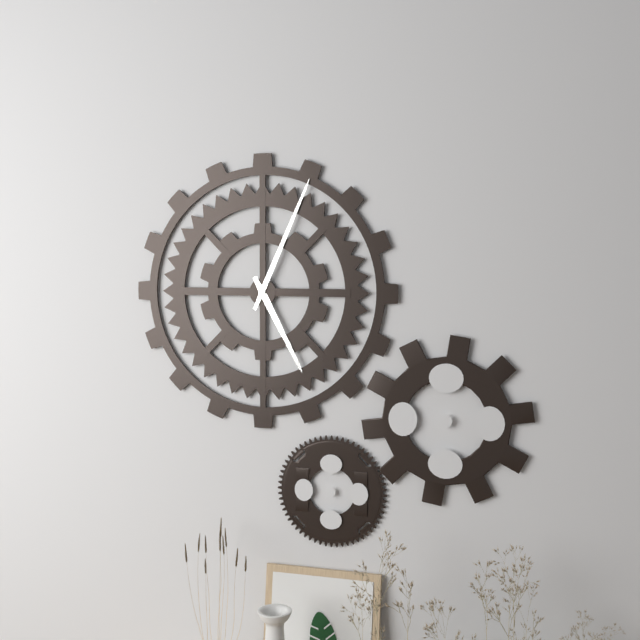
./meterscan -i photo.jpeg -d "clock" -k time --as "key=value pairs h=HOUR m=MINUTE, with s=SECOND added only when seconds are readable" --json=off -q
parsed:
h=5 m=4
